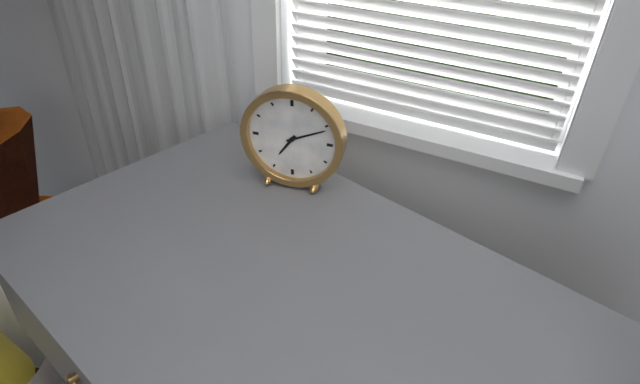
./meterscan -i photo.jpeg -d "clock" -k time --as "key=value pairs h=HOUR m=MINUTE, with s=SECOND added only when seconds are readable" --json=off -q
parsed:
h=7 m=11
